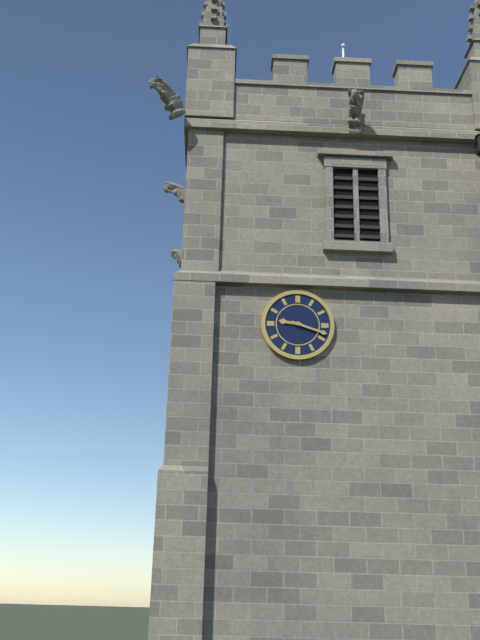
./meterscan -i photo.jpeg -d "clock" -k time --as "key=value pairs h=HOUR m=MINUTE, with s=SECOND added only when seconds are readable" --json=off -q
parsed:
h=9 m=18
